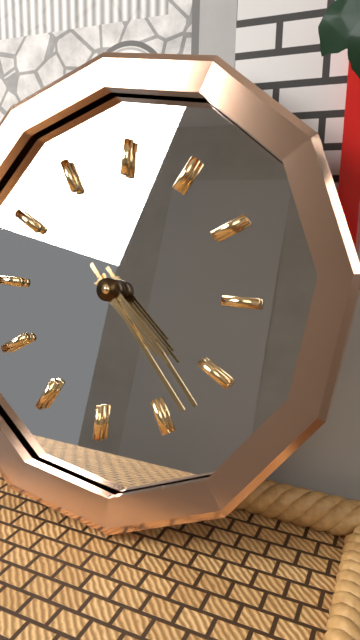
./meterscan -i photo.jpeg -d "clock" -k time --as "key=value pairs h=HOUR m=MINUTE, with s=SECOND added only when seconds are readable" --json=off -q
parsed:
h=4 m=23
